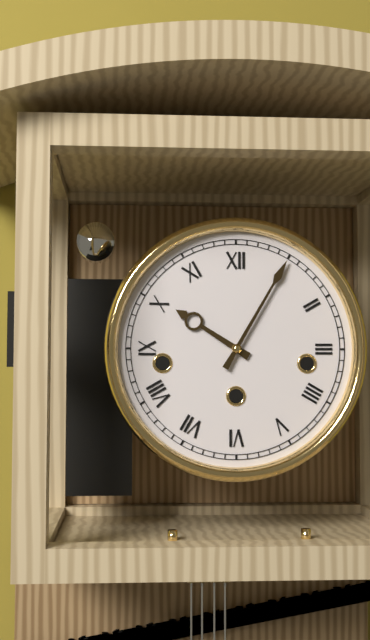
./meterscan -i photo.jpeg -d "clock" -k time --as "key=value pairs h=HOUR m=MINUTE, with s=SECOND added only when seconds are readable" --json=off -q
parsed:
h=10 m=5
